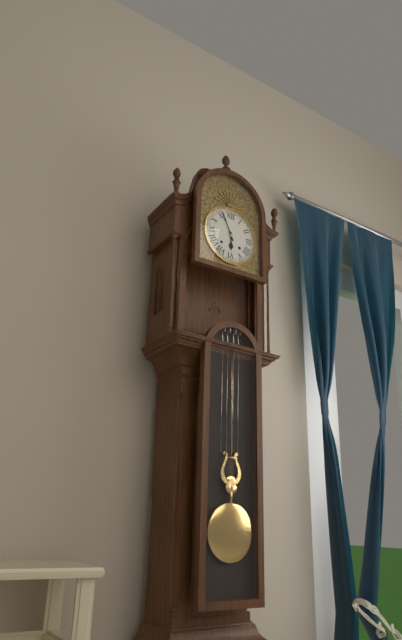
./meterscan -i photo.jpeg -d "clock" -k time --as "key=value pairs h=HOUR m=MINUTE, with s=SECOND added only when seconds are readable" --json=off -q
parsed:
h=5 m=56
